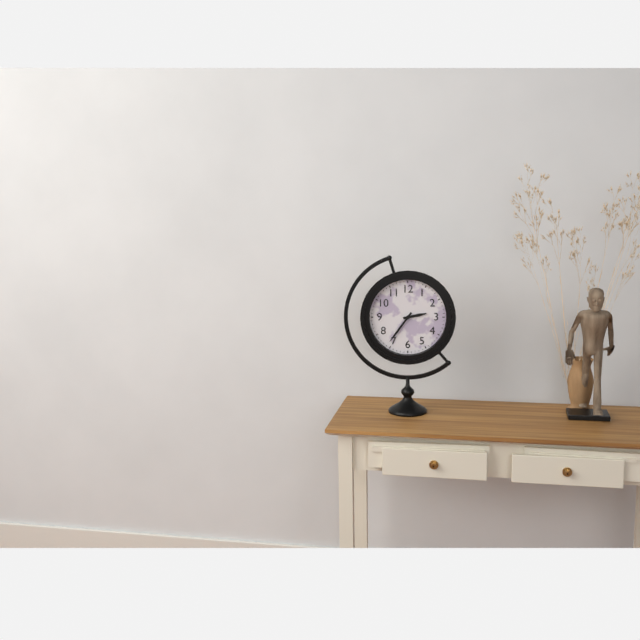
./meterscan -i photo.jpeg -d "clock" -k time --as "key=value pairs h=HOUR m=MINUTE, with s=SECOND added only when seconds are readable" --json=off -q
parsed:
h=2 m=36
